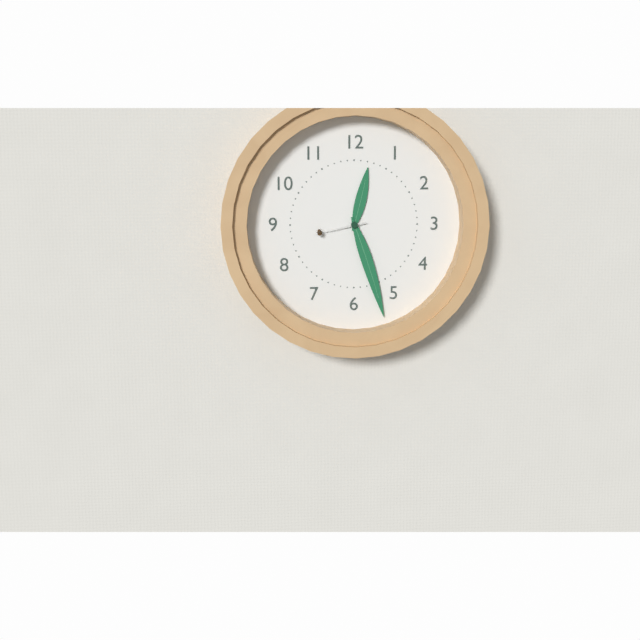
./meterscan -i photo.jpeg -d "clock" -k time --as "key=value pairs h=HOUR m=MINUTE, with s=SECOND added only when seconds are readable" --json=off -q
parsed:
h=12 m=27 s=43
